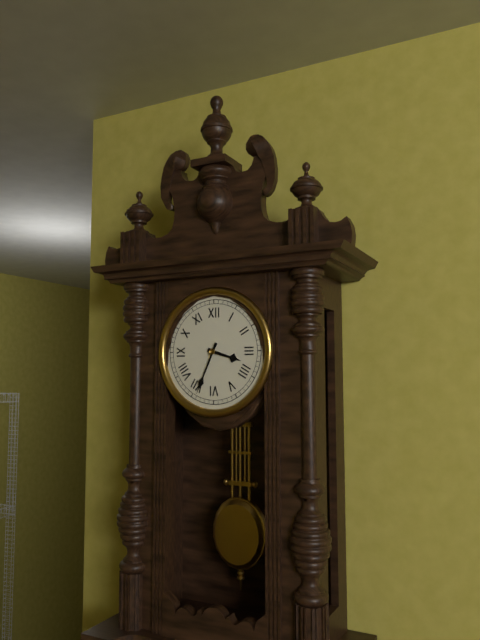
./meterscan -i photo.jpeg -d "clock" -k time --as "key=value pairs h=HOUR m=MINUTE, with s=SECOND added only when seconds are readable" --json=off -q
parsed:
h=3 m=34
